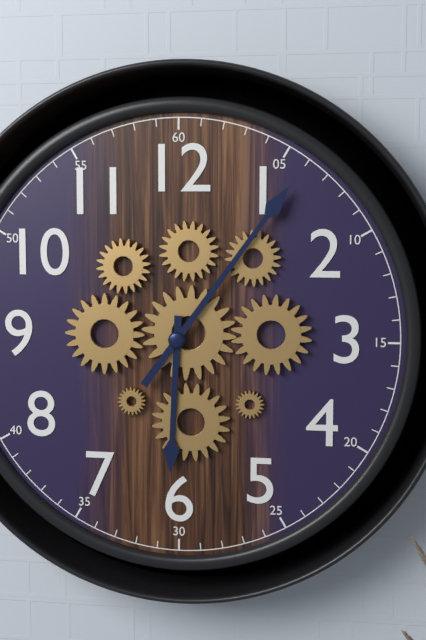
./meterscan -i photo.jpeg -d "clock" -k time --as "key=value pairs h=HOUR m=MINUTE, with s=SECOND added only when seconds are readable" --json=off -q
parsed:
h=6 m=6
